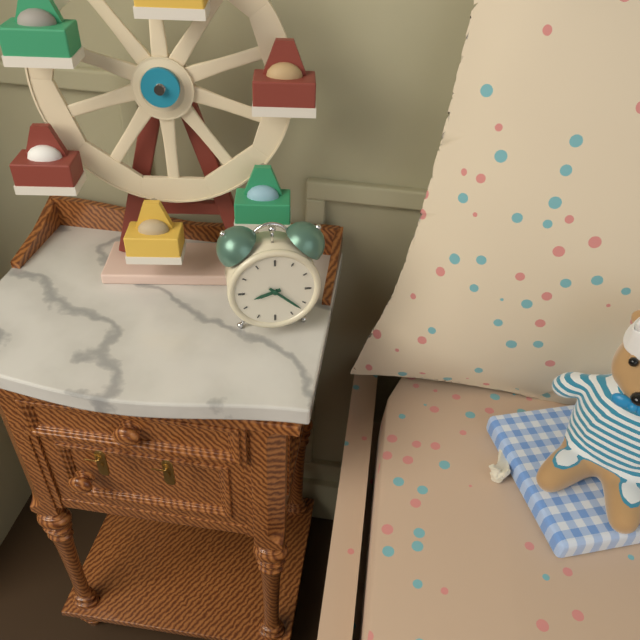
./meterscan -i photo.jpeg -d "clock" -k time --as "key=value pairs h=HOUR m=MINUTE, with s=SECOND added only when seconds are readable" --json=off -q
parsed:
h=8 m=22
